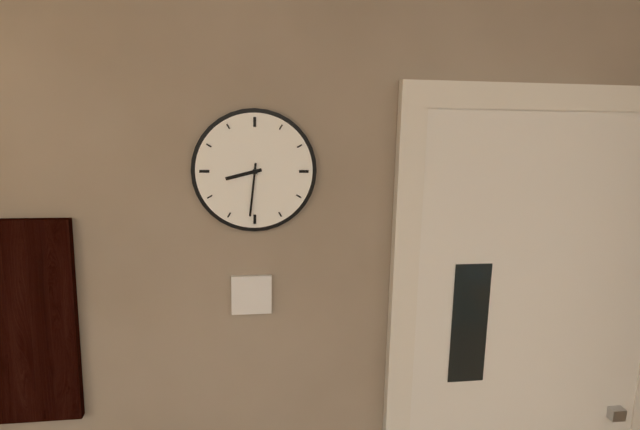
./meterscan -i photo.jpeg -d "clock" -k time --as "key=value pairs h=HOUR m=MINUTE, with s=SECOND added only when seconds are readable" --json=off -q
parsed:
h=8 m=31
